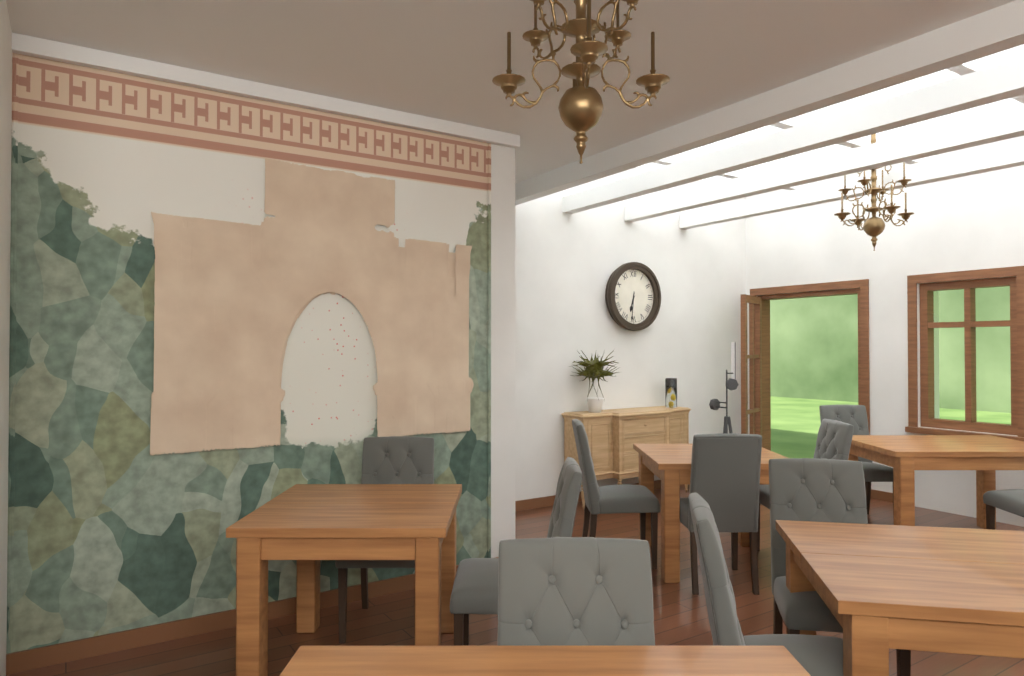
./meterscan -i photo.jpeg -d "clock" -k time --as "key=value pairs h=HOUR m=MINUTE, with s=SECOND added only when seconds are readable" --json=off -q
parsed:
h=6 m=31
